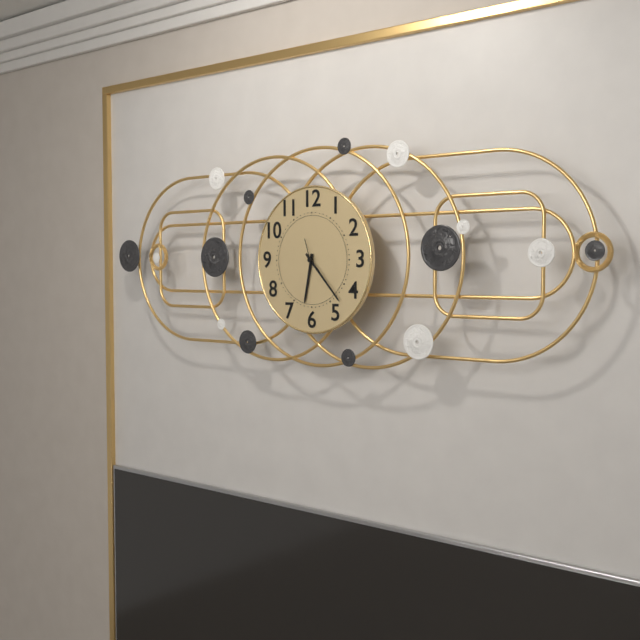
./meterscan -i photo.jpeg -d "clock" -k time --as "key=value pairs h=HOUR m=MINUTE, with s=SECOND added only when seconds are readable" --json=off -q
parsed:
h=6 m=23
